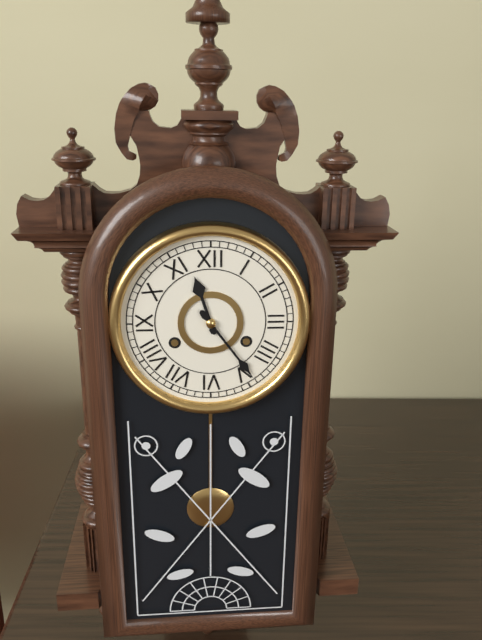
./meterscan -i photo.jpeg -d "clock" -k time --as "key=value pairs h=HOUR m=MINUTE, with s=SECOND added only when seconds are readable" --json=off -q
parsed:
h=11 m=24
